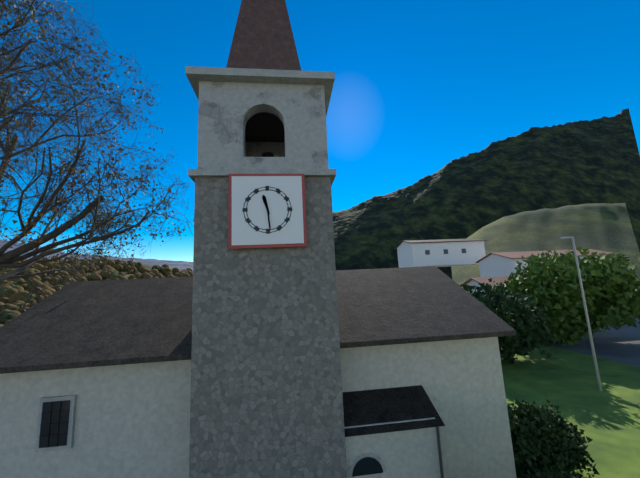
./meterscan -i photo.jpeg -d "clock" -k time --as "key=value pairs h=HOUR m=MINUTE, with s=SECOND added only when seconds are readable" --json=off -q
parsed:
h=11 m=29
